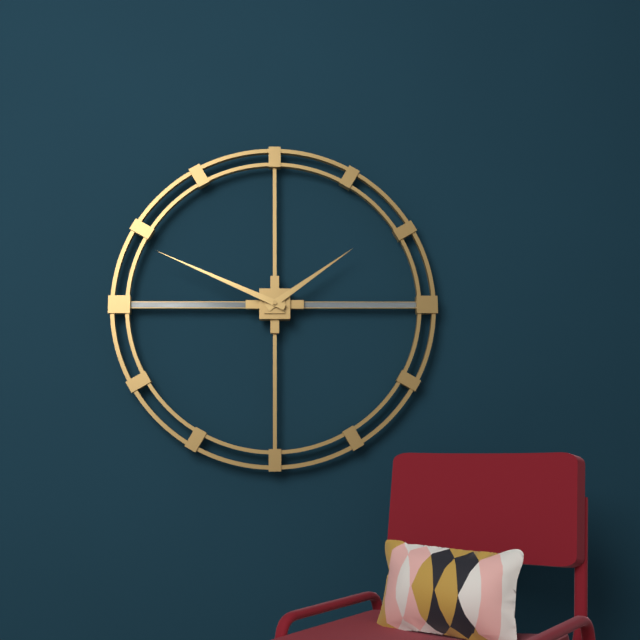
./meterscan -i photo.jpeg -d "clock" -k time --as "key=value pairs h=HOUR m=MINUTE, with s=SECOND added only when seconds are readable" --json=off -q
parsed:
h=1 m=49
